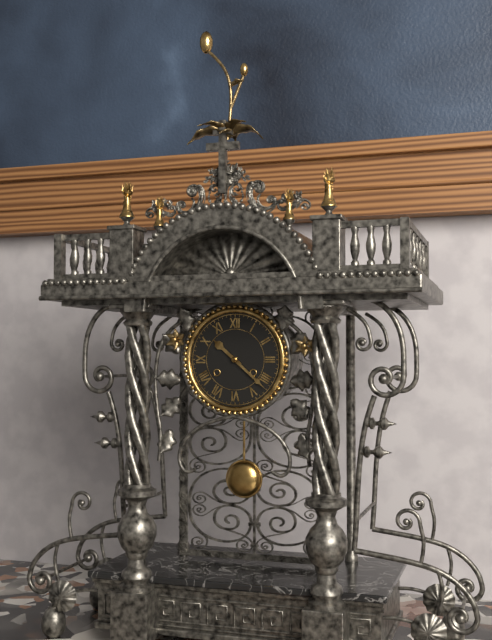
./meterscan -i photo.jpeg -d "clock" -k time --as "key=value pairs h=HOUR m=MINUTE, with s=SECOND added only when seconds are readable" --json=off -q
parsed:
h=10 m=22
